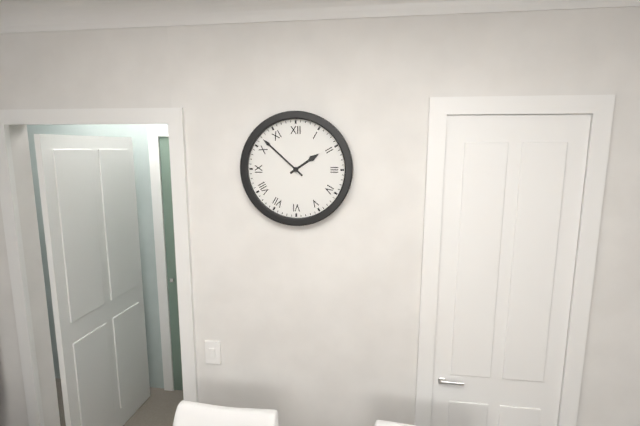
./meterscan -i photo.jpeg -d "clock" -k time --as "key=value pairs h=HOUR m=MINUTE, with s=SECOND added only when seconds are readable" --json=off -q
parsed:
h=1 m=52
